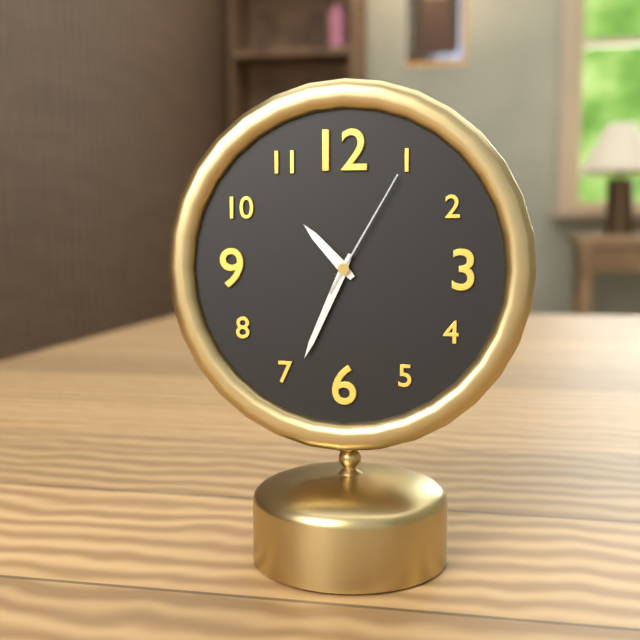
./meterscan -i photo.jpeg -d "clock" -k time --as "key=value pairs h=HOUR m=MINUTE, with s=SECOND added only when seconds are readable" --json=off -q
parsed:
h=10 m=34 s=5
